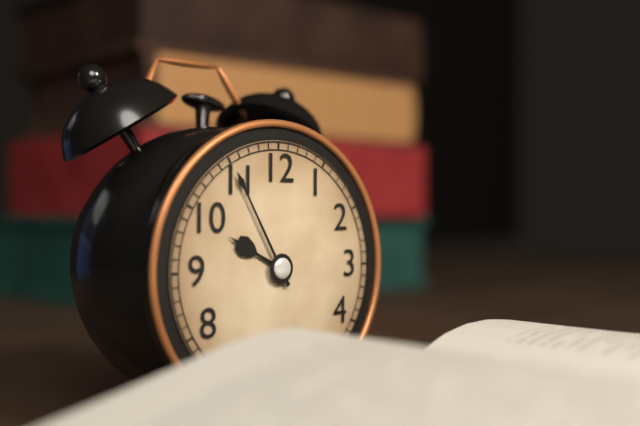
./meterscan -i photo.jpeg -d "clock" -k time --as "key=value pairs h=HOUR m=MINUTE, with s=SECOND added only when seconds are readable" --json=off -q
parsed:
h=9 m=55
